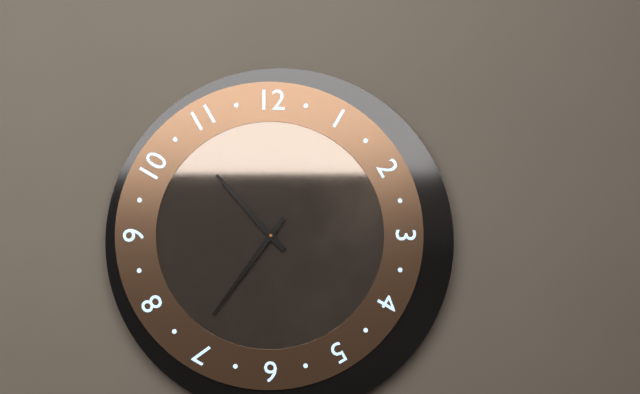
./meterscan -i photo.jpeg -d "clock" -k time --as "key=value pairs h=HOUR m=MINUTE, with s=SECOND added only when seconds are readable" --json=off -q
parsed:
h=10 m=36
